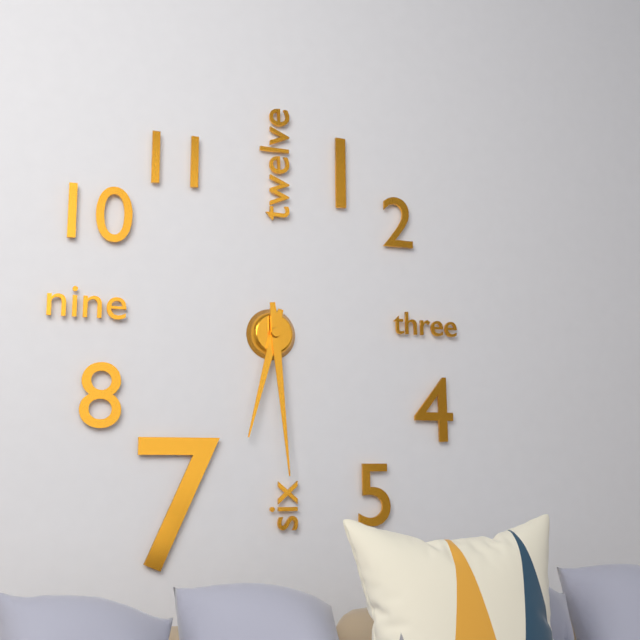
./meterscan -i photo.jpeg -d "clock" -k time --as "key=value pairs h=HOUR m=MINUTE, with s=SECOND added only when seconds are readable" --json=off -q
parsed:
h=6 m=29
